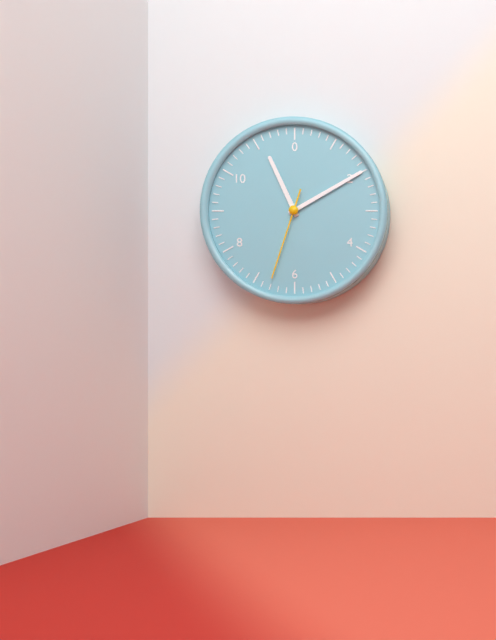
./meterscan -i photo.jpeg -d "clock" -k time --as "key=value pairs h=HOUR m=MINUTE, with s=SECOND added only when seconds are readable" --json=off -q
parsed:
h=11 m=10 s=33
